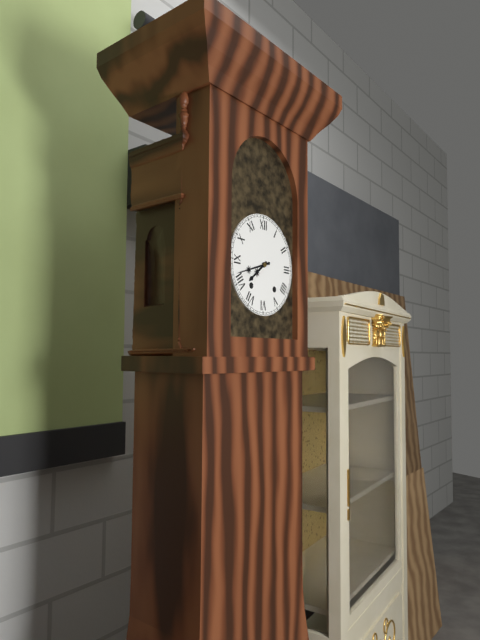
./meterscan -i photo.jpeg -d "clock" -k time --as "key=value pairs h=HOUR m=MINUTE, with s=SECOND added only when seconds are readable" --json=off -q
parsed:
h=7 m=42
